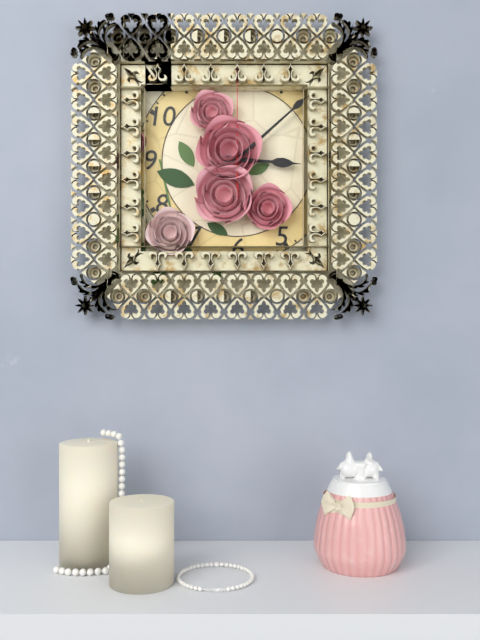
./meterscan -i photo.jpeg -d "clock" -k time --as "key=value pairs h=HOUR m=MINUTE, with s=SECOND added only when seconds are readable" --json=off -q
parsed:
h=3 m=8 s=0
